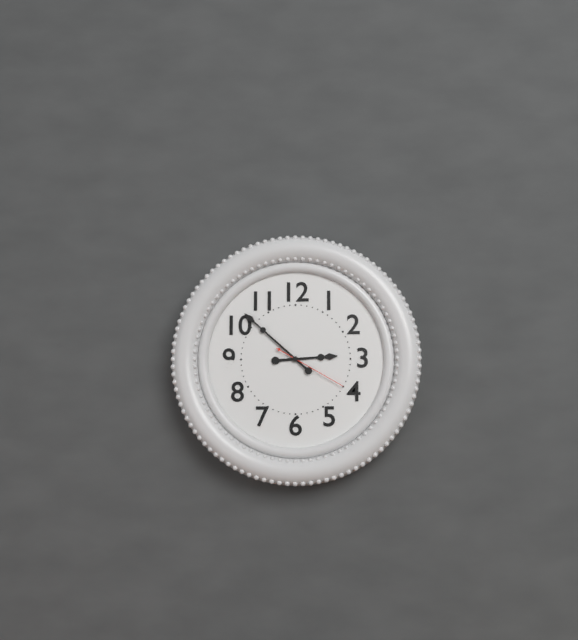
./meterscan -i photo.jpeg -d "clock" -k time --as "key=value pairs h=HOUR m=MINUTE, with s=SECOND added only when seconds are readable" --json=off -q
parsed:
h=2 m=52 s=20
